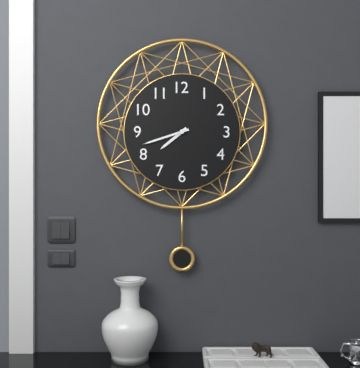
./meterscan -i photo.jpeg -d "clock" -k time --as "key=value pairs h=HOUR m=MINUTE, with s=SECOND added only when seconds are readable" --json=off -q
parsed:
h=7 m=42
